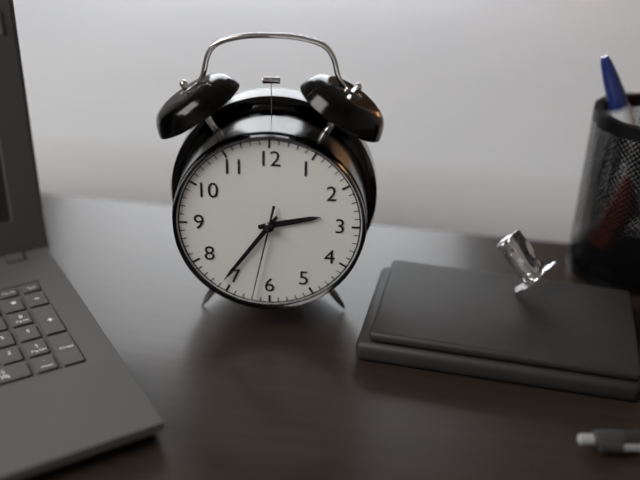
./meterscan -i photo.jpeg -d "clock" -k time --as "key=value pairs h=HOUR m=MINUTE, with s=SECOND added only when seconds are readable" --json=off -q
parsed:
h=2 m=36 s=32
